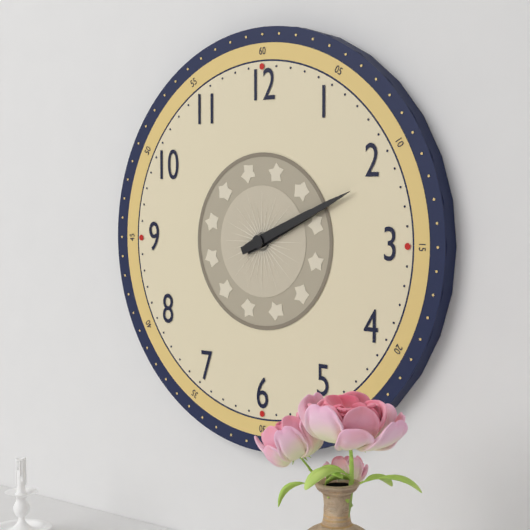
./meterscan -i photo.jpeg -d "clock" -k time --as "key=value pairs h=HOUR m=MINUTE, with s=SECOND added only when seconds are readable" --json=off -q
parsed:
h=2 m=11
